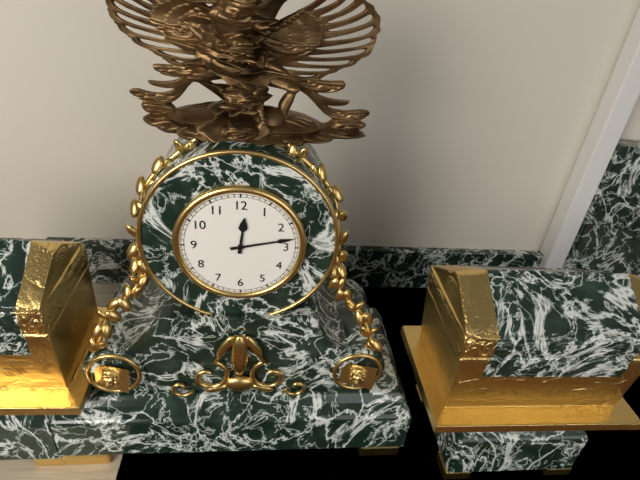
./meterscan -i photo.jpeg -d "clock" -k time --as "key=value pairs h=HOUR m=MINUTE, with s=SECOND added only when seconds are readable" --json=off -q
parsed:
h=12 m=13
